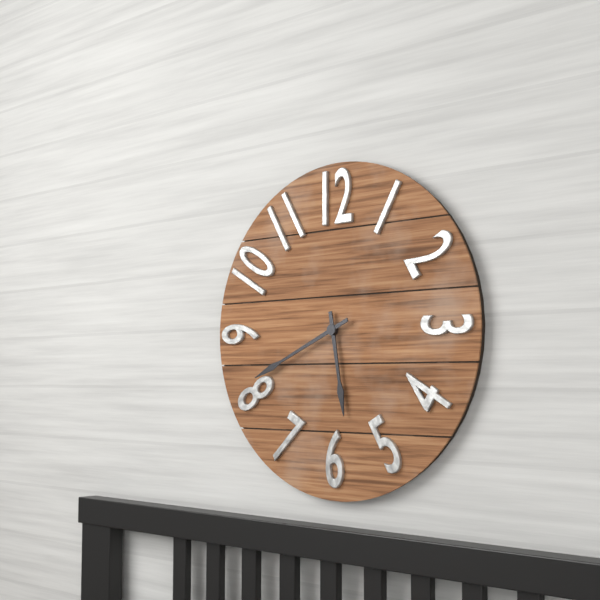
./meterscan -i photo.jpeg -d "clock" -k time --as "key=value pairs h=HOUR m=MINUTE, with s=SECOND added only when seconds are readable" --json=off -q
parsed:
h=5 m=41
